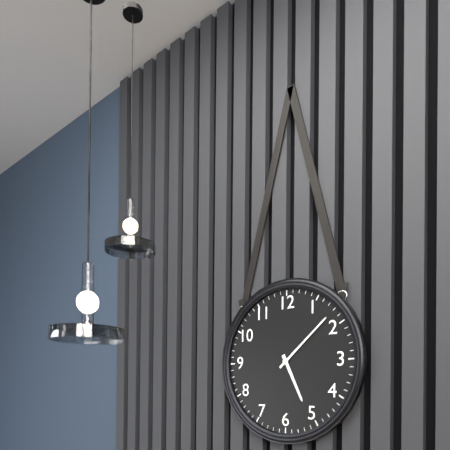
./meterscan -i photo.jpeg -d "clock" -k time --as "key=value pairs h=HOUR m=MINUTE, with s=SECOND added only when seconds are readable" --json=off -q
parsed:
h=5 m=8
